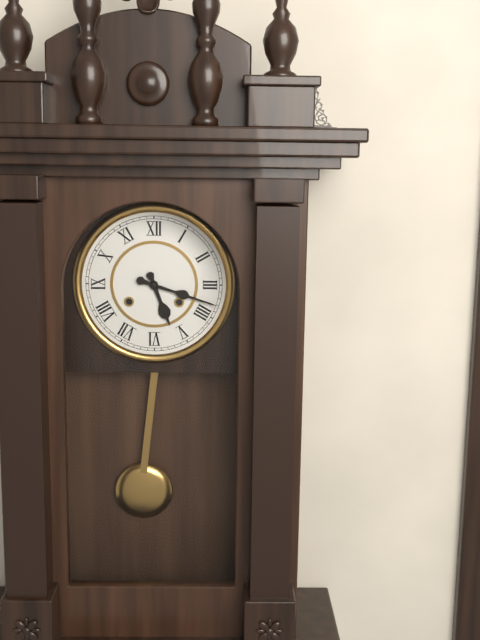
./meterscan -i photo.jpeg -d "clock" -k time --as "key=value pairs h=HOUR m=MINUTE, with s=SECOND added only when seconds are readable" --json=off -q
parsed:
h=5 m=18
